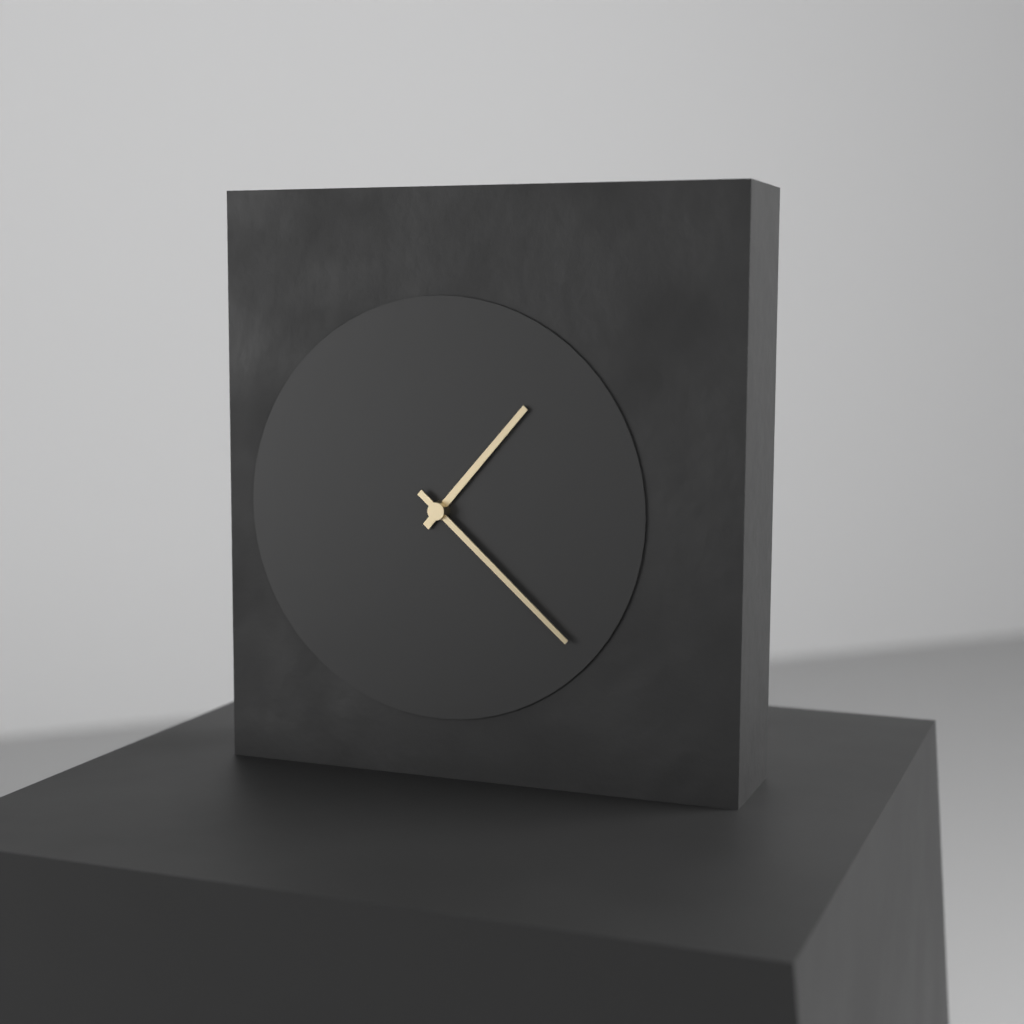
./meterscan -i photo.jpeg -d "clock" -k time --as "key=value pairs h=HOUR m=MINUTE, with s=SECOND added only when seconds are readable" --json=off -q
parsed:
h=1 m=22
